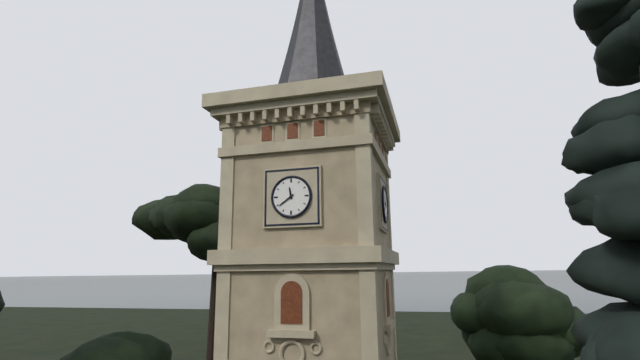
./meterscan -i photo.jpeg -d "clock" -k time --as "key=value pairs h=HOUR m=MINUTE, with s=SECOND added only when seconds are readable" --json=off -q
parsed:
h=11 m=39
